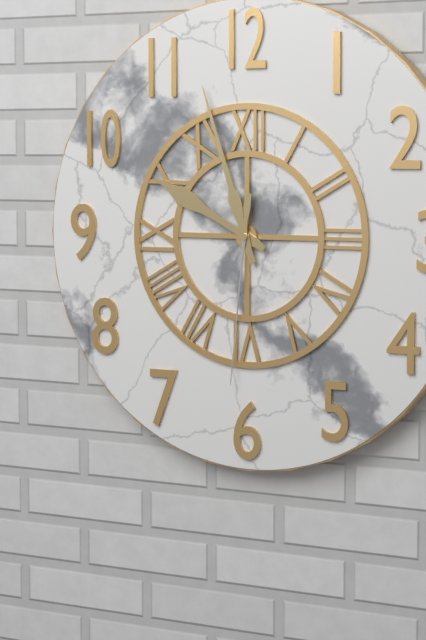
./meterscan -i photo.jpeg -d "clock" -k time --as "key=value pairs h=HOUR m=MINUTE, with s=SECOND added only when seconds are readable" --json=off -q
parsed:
h=9 m=57 s=31
